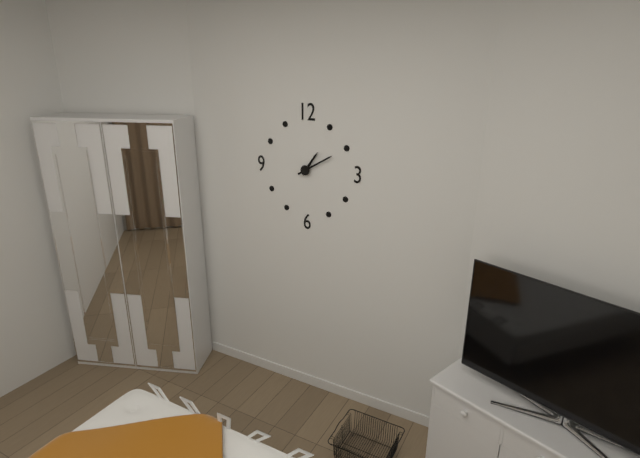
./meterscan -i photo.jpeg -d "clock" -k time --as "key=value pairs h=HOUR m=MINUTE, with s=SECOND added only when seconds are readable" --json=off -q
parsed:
h=1 m=10
